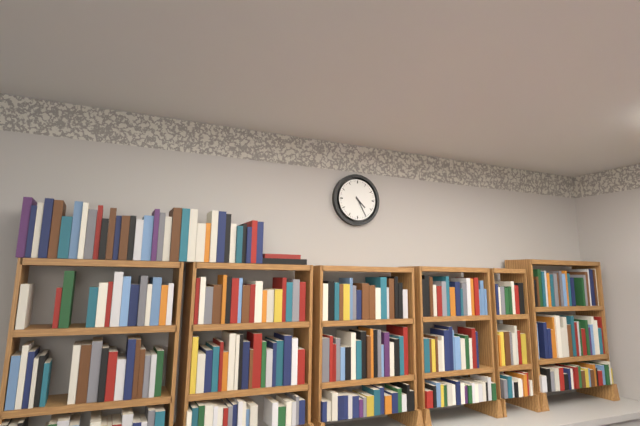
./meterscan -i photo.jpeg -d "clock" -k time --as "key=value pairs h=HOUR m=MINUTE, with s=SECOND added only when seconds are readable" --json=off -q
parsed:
h=4 m=25
